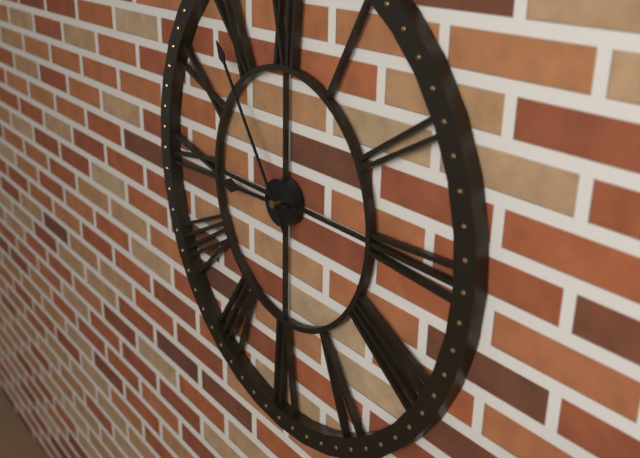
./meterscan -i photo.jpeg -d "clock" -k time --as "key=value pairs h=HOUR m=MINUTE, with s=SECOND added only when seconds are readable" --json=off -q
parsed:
h=8 m=54
